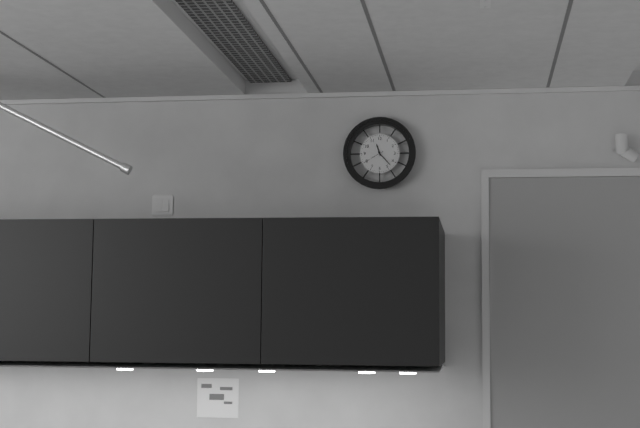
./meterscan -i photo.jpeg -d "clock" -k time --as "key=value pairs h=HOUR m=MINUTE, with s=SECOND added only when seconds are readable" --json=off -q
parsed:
h=11 m=23
